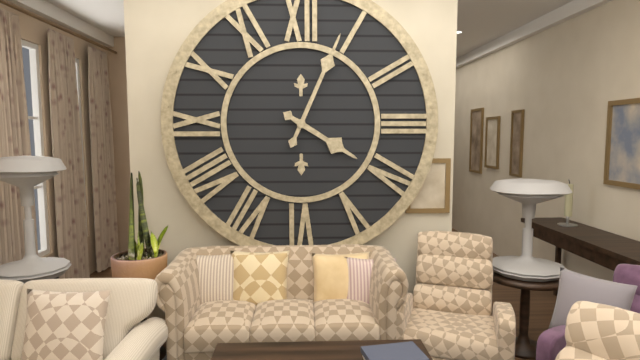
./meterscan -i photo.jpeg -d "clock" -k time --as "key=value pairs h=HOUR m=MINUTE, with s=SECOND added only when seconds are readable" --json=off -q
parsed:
h=4 m=4
